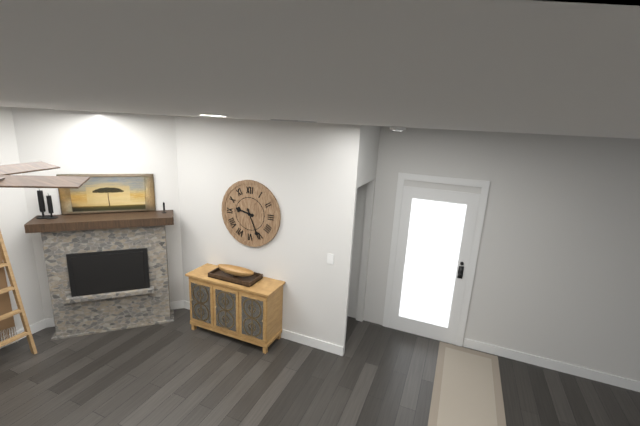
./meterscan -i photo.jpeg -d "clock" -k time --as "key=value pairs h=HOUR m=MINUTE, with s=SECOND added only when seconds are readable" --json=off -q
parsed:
h=9 m=26
